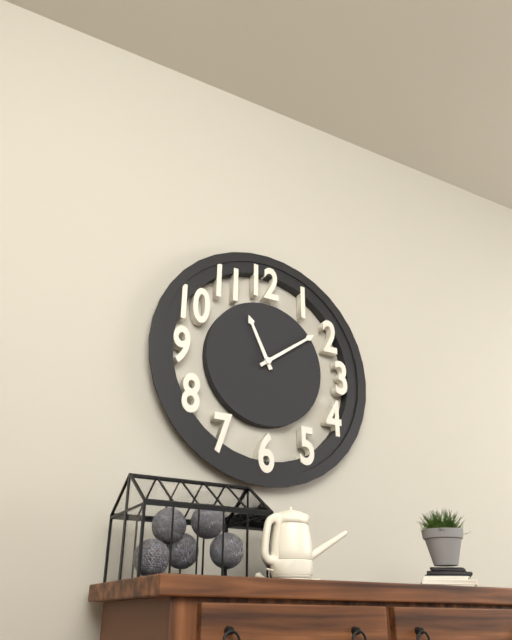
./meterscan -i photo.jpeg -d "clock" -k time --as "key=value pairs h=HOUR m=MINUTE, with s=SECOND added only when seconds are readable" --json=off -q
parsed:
h=11 m=9
